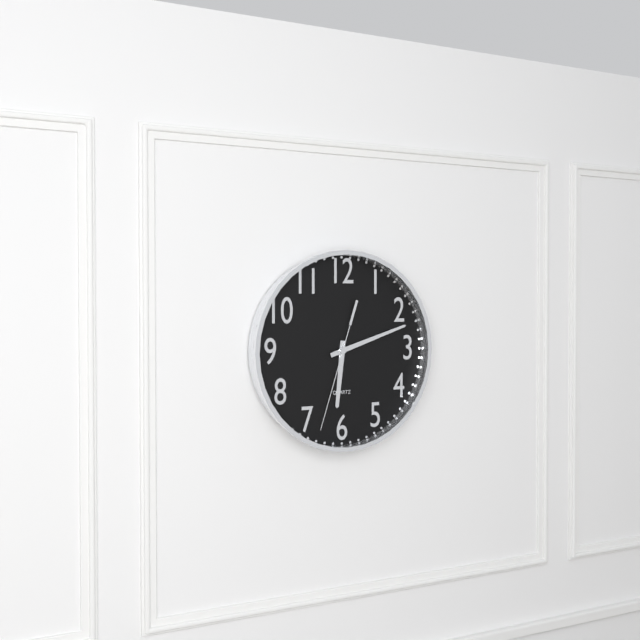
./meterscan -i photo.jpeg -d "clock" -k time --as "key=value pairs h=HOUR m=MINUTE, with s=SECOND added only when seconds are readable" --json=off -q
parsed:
h=6 m=12 s=33
